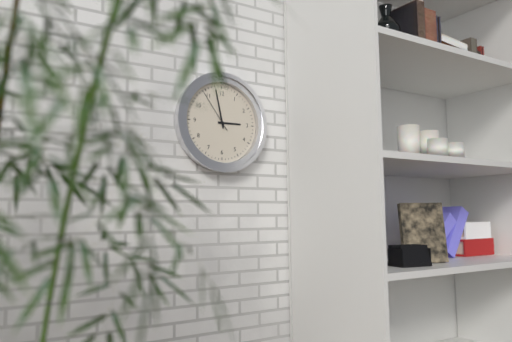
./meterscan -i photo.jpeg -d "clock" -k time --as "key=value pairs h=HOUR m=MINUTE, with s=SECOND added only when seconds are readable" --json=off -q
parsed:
h=2 m=58
